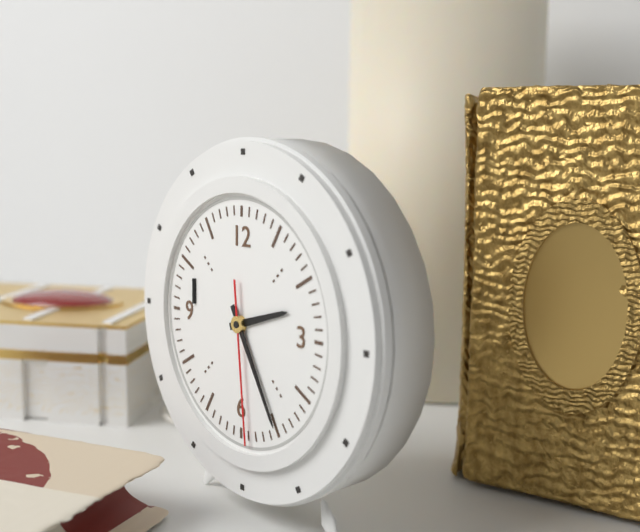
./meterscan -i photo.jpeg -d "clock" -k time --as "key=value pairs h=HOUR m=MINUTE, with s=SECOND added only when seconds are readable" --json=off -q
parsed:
h=2 m=25 s=29
